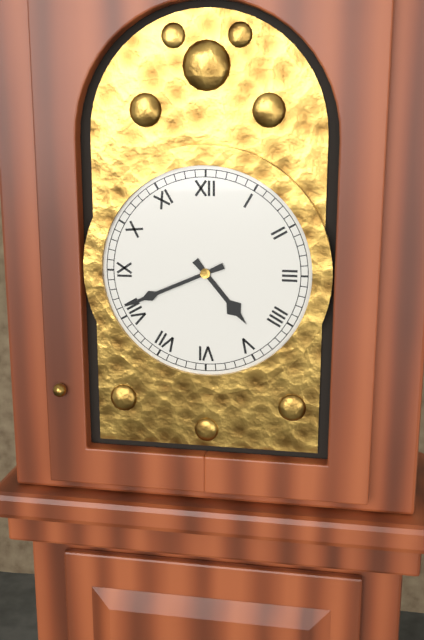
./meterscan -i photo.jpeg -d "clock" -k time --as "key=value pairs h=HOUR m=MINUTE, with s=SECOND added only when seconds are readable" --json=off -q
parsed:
h=4 m=41
